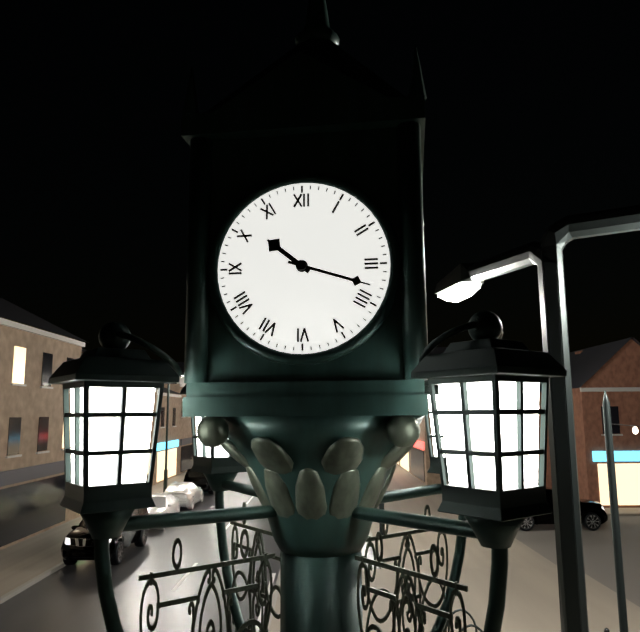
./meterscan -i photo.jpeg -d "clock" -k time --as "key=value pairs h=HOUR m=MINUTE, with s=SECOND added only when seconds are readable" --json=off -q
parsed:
h=10 m=18
